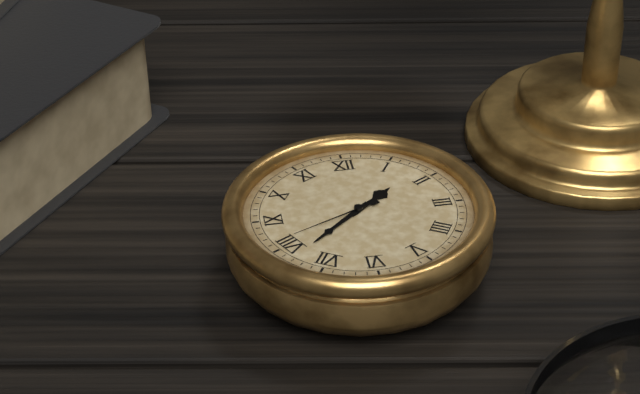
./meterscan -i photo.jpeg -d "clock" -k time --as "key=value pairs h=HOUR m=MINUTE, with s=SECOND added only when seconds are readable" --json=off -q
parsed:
h=1 m=38 s=41
